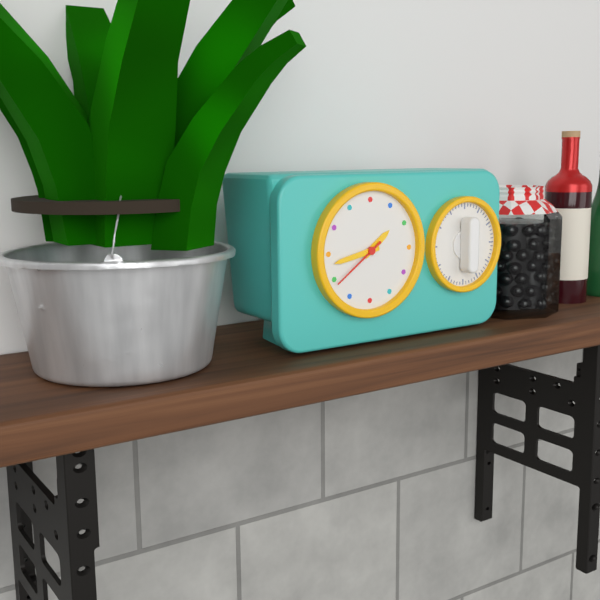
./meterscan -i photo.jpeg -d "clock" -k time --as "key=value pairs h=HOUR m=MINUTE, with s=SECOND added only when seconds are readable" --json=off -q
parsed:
h=1 m=43 s=39
